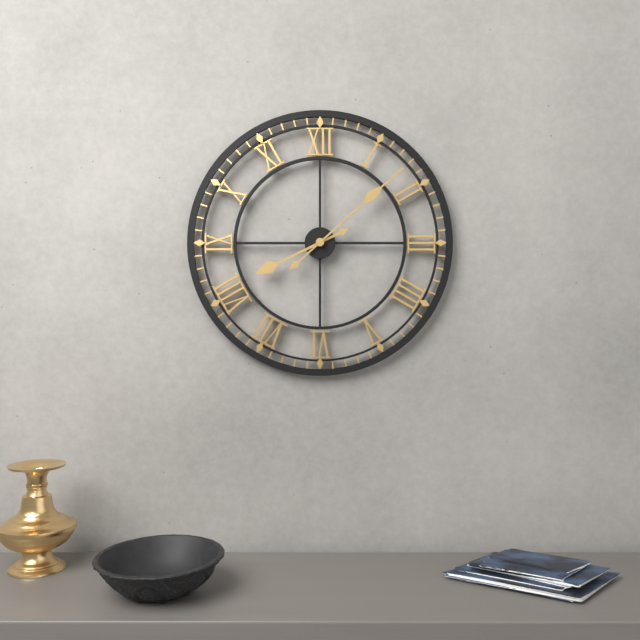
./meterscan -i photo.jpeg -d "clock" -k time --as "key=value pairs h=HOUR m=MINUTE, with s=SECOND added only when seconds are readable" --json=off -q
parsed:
h=8 m=8
